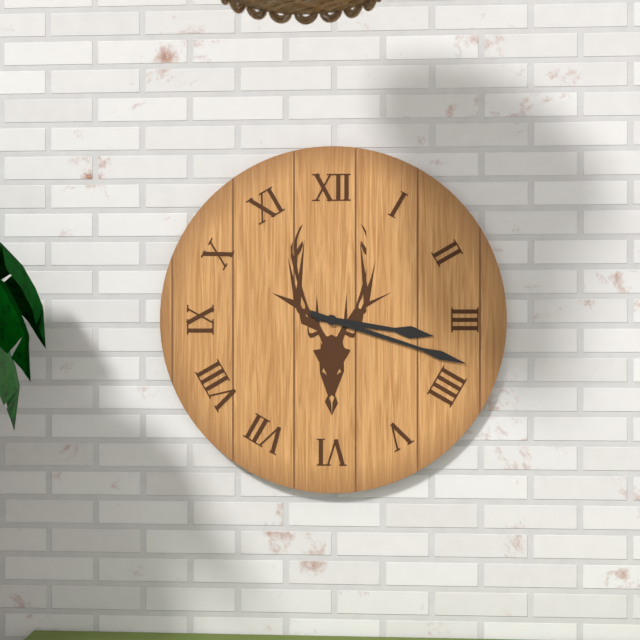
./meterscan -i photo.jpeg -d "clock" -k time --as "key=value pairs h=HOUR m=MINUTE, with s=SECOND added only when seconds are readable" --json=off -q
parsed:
h=3 m=18
